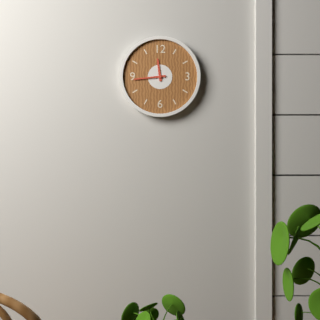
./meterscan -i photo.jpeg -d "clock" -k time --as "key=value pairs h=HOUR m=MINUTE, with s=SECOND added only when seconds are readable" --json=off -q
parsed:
h=11 m=44
